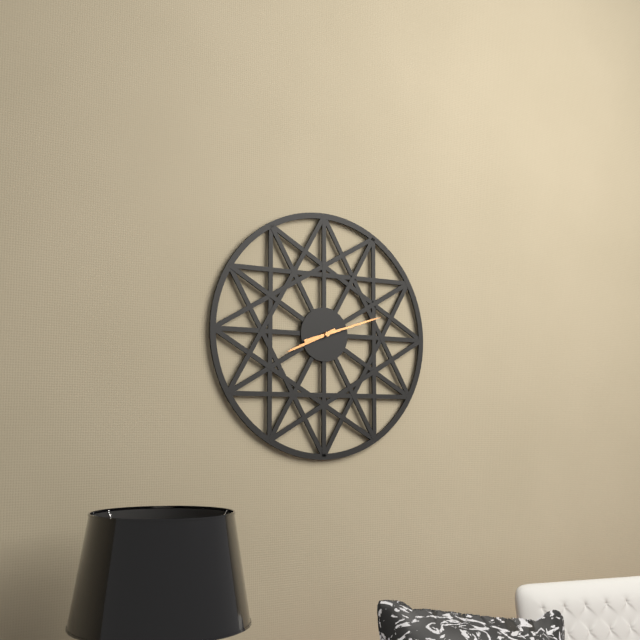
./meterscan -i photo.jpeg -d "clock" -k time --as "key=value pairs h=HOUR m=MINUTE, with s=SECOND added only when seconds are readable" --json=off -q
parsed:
h=8 m=12
